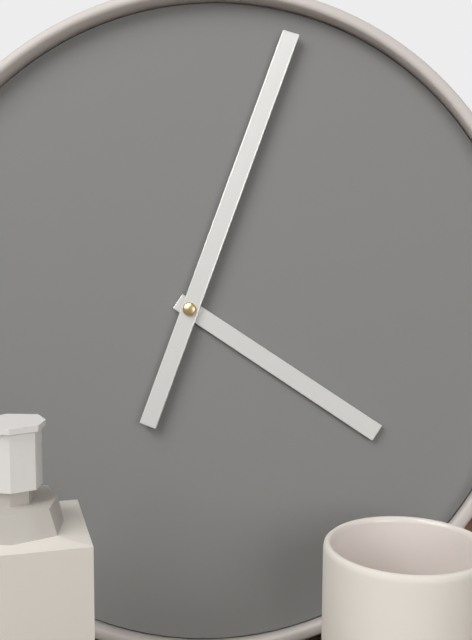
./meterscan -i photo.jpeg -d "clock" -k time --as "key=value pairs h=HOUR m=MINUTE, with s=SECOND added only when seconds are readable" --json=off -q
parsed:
h=4 m=3
